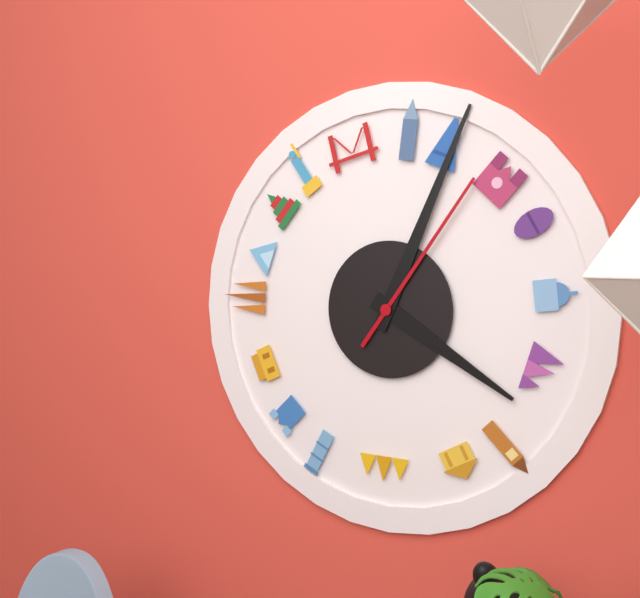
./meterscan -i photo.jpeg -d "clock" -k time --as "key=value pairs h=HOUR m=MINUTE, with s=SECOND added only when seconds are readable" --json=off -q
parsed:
h=4 m=4 s=6
